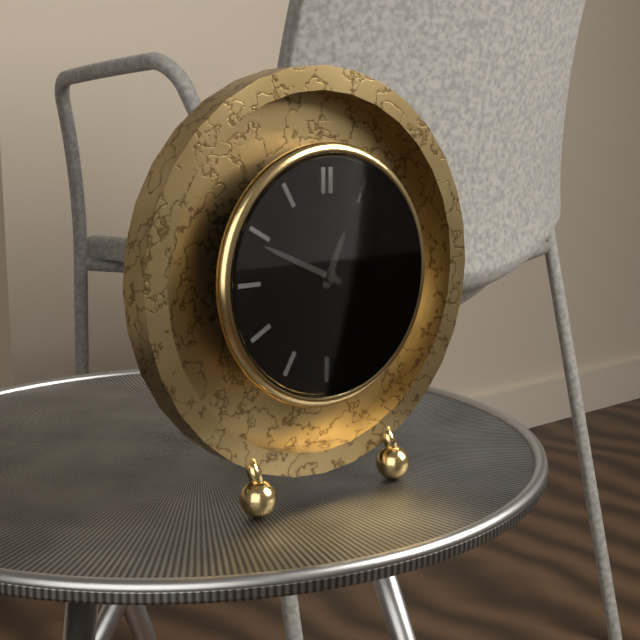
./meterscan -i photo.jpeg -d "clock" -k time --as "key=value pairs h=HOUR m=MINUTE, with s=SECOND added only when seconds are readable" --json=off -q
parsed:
h=12 m=49
